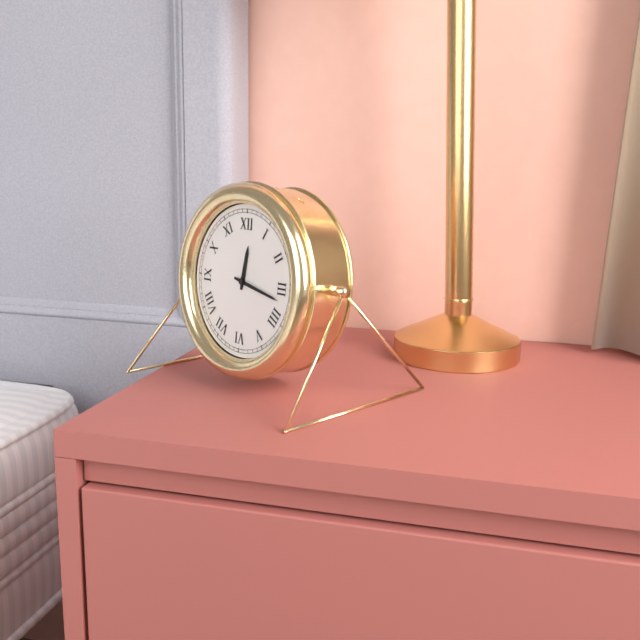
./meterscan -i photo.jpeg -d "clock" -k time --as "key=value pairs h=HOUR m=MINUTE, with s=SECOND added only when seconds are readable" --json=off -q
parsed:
h=12 m=17
